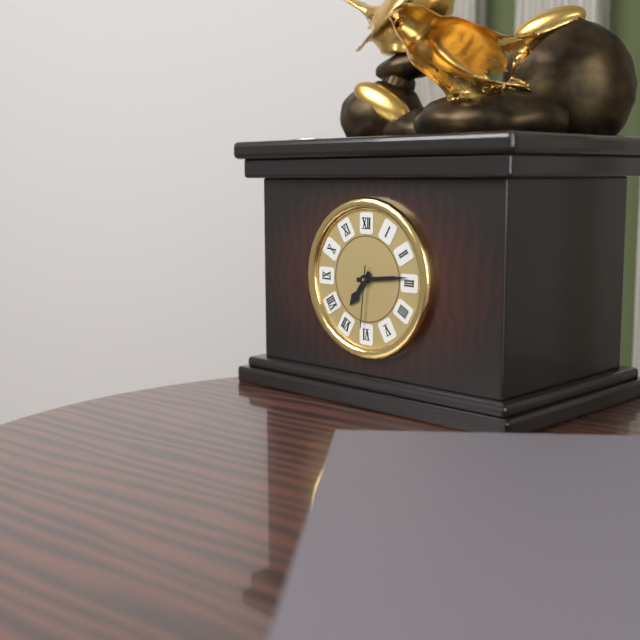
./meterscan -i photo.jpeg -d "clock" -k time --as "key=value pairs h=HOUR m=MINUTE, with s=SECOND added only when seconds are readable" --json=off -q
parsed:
h=7 m=14 s=31
